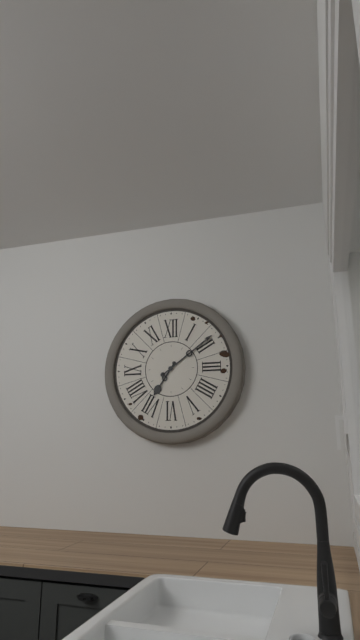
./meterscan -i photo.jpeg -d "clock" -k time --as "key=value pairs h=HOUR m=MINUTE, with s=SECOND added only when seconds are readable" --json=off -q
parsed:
h=7 m=9
